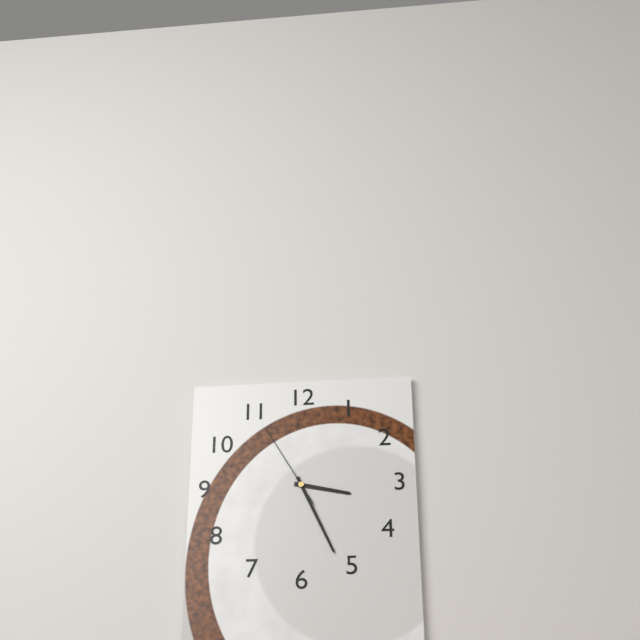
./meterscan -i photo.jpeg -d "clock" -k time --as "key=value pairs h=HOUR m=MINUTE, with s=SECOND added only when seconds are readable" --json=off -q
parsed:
h=3 m=26 s=55
